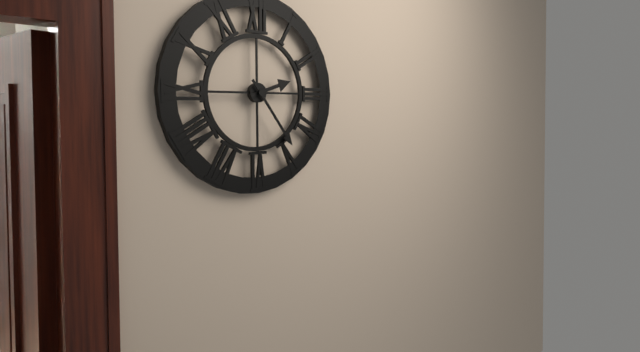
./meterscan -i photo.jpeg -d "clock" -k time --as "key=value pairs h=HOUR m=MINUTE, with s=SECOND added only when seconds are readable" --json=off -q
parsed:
h=2 m=24
